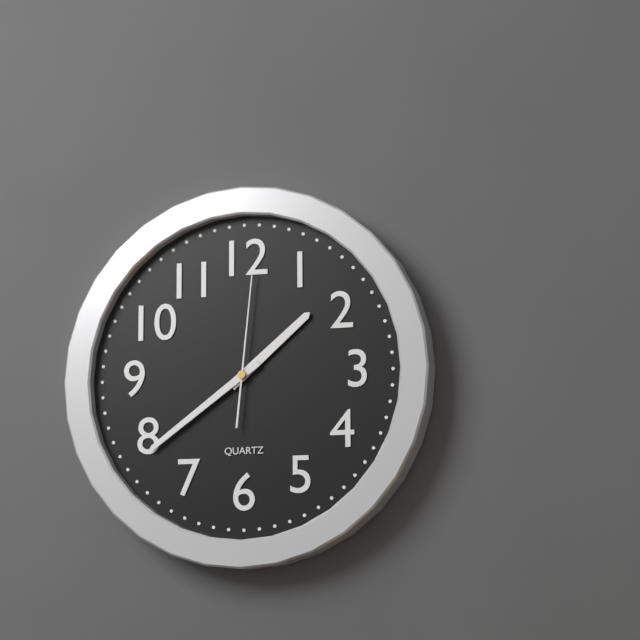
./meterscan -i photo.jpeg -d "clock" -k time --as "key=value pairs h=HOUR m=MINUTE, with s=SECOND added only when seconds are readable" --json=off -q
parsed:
h=1 m=39 s=1
